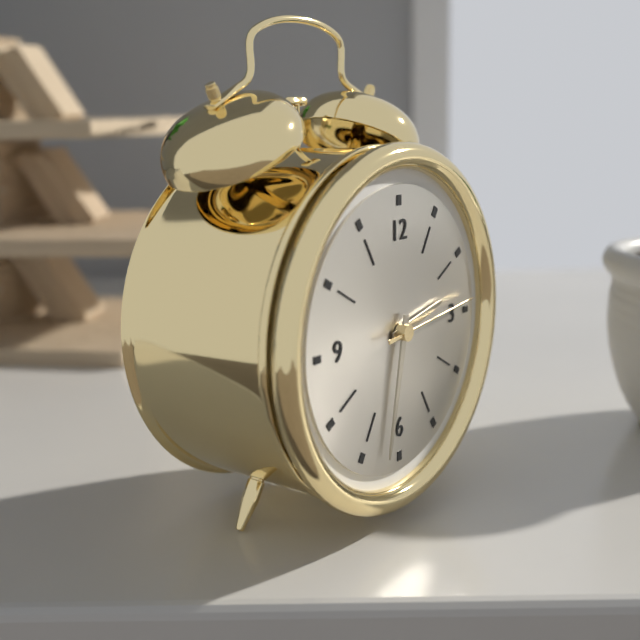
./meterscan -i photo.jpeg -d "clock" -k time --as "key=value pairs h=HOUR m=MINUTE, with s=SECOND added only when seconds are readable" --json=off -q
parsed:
h=2 m=32 s=14
